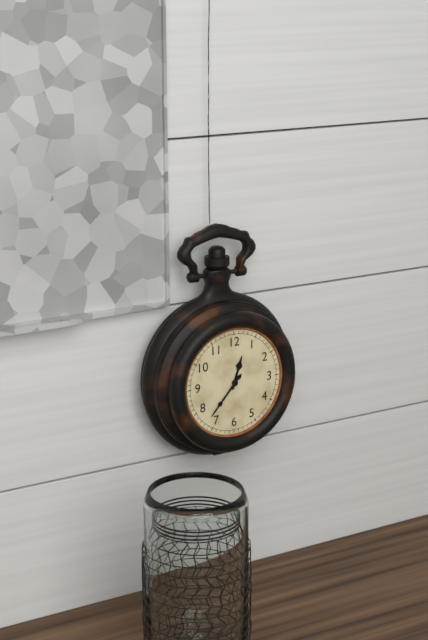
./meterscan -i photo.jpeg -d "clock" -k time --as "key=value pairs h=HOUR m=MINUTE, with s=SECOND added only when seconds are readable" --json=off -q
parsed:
h=12 m=37
